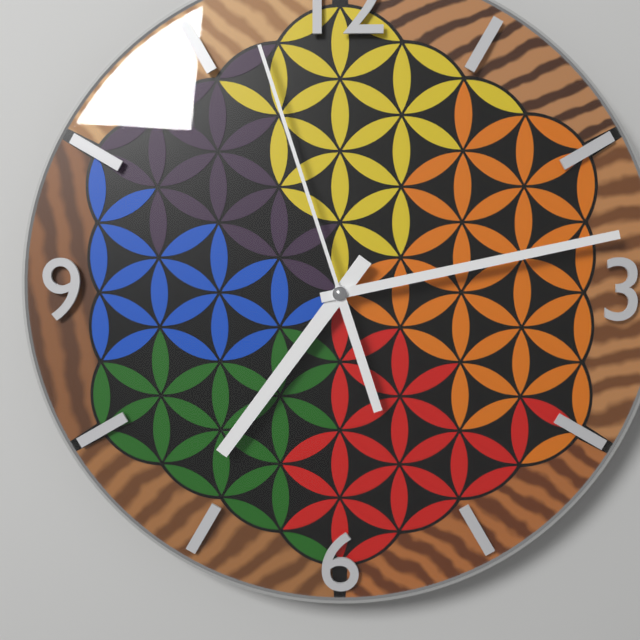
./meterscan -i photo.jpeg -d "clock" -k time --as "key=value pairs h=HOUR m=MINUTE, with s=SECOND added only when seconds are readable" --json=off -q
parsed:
h=7 m=13 s=57
